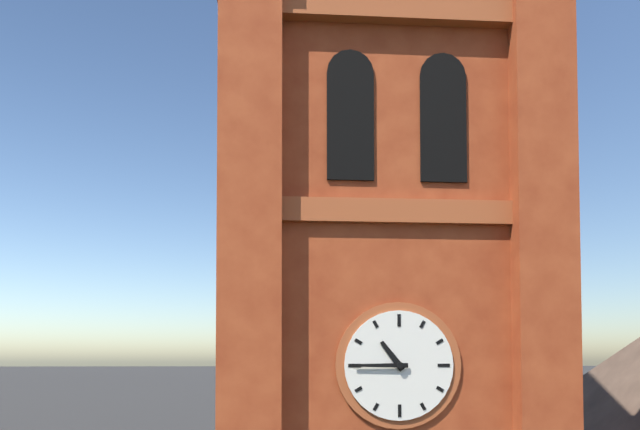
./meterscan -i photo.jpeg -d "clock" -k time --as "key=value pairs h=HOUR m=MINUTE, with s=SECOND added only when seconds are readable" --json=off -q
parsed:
h=10 m=45
